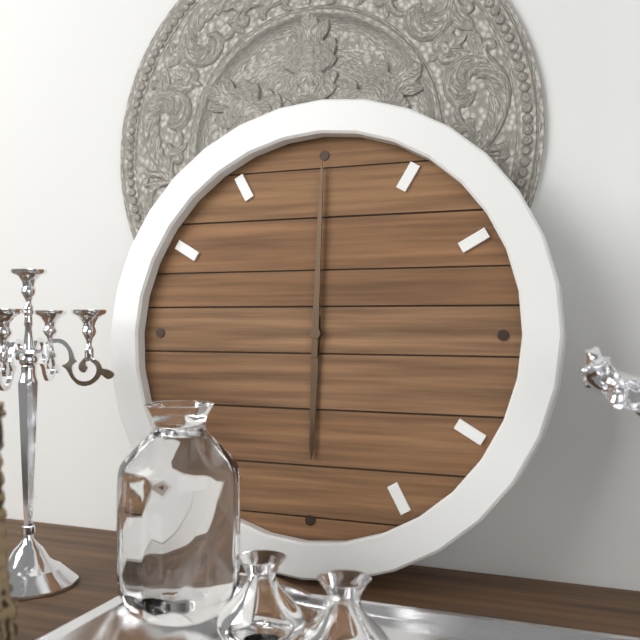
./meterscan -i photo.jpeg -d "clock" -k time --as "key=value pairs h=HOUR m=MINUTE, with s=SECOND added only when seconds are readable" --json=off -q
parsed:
h=6 m=0
